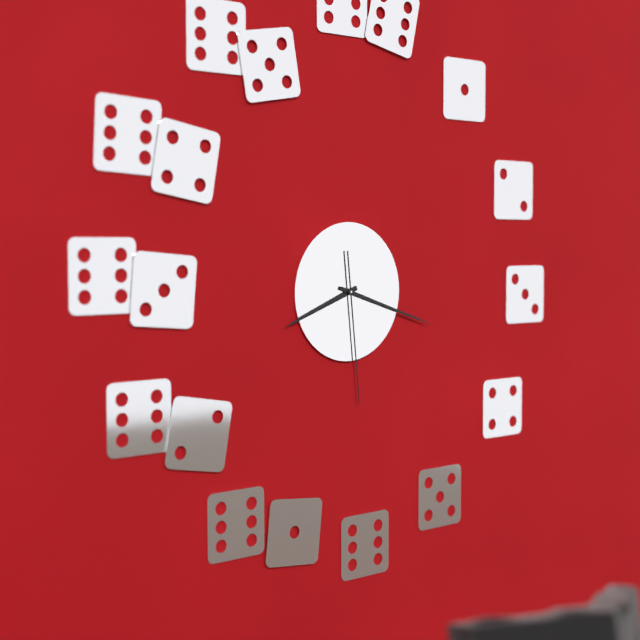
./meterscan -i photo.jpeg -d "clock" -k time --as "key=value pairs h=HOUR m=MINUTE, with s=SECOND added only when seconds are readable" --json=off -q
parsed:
h=8 m=18 s=29
